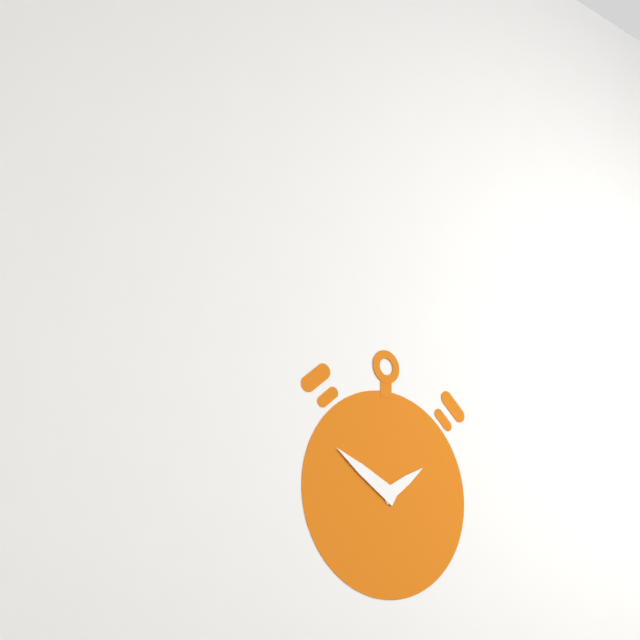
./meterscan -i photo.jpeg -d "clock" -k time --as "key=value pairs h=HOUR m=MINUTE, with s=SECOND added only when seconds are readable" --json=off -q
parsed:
h=1 m=50
